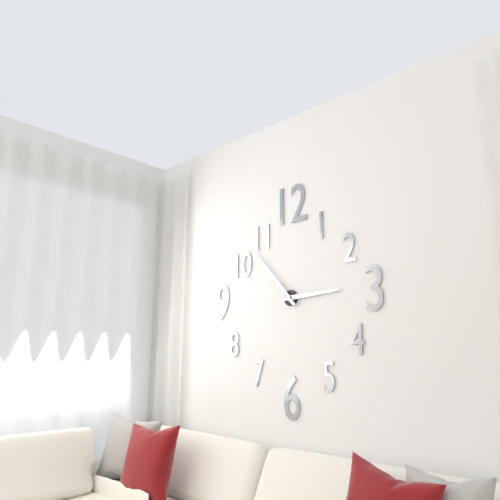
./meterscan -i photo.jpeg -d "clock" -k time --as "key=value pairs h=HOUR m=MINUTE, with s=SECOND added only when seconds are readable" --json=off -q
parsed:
h=2 m=53
